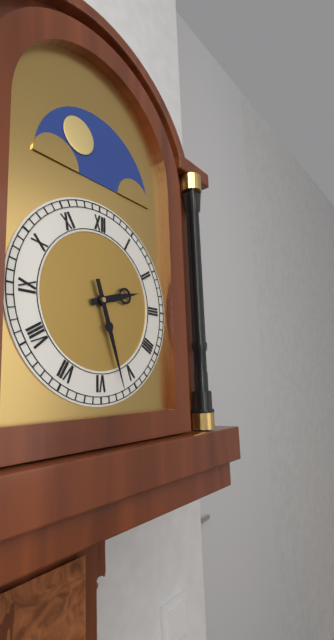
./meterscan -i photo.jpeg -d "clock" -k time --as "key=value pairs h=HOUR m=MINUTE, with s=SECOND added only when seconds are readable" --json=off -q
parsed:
h=2 m=27
